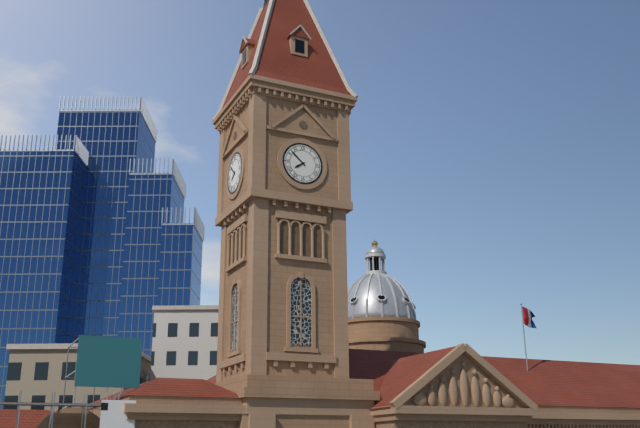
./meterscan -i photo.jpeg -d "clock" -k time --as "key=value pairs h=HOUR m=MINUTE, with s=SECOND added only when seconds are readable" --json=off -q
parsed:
h=7 m=52
